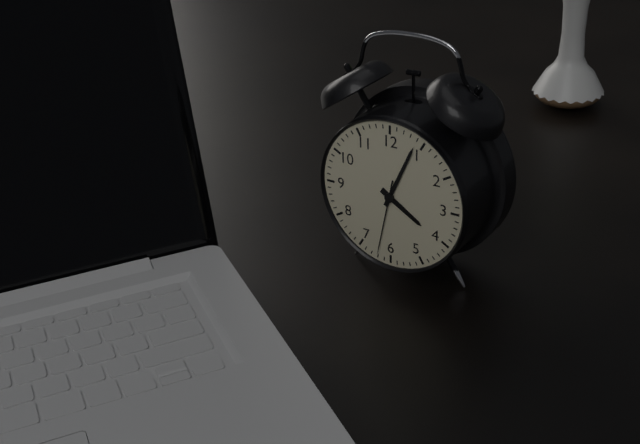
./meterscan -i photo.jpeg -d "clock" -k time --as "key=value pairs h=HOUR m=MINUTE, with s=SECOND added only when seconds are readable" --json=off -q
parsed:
h=4 m=4 s=32
